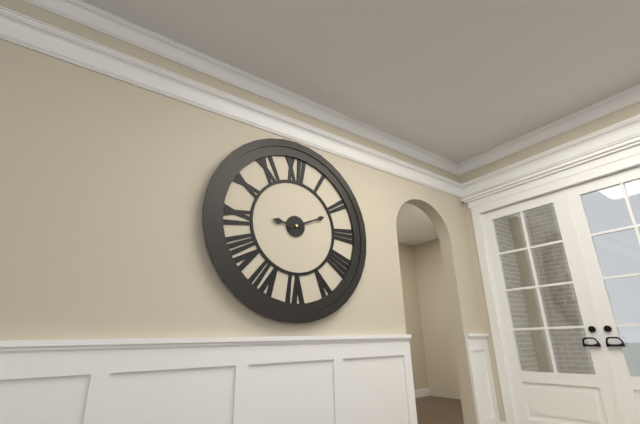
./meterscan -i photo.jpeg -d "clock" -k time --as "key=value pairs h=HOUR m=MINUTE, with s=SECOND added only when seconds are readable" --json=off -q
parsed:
h=9 m=11
